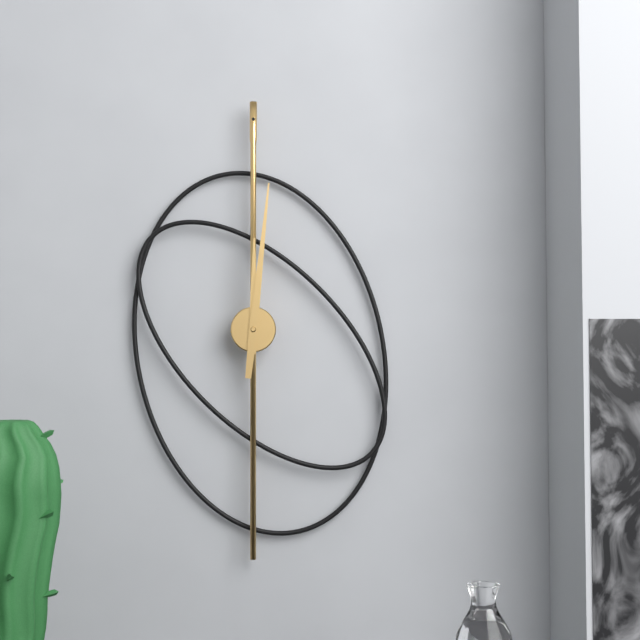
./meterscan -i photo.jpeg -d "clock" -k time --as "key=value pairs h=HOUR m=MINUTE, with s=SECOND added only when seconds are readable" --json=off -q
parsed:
h=12 m=1
